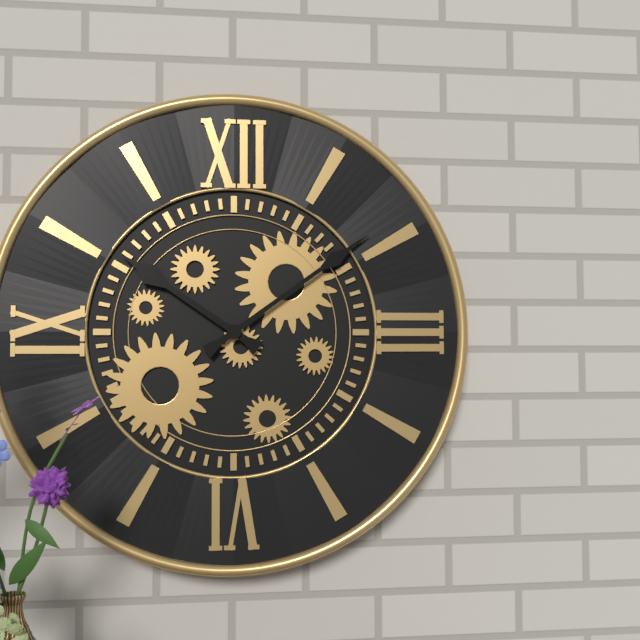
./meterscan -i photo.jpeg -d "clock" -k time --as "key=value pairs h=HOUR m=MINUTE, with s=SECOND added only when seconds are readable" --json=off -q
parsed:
h=10 m=9
